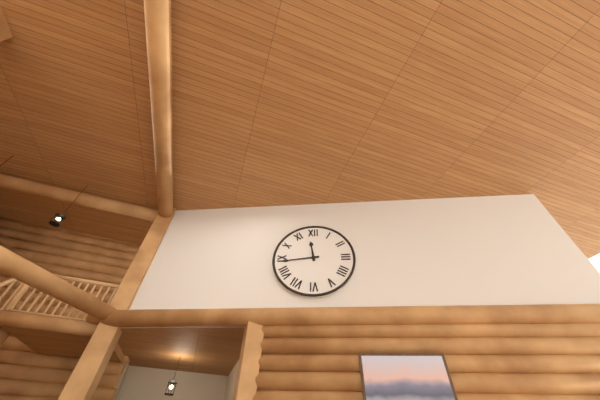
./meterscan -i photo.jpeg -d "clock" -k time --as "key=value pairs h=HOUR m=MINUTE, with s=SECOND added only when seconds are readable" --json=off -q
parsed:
h=11 m=44
